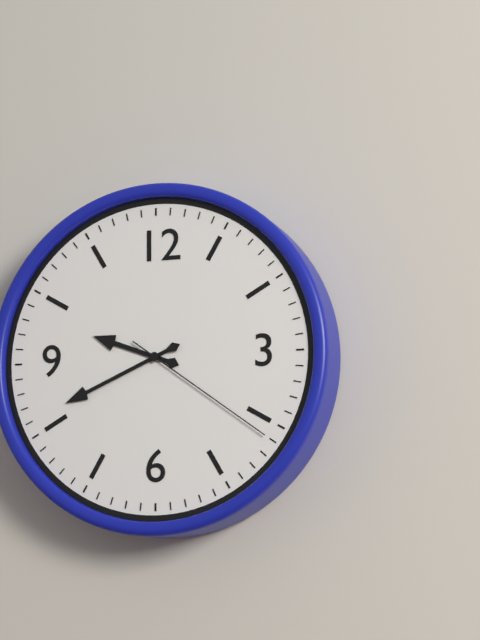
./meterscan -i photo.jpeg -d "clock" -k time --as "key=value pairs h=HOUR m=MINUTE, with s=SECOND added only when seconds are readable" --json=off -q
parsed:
h=9 m=41 s=21
